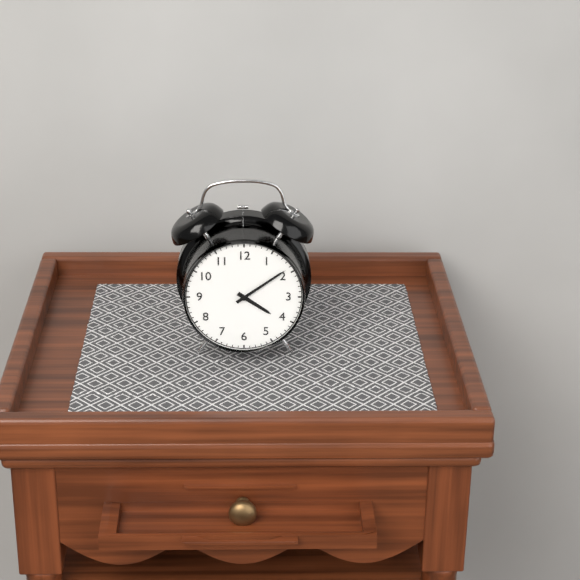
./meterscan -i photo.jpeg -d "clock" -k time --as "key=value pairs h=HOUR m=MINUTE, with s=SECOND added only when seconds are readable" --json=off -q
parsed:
h=4 m=9
